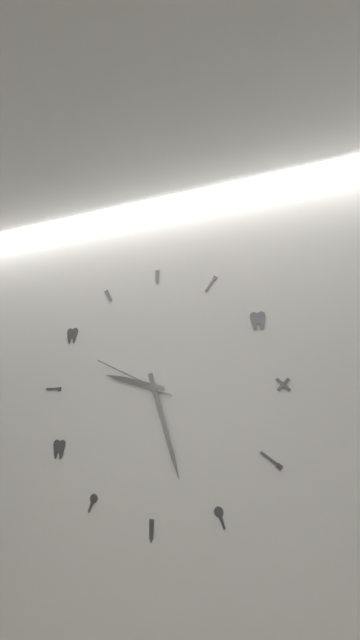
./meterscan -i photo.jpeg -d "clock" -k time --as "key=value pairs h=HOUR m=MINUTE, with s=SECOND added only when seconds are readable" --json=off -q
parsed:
h=9 m=27 s=49
